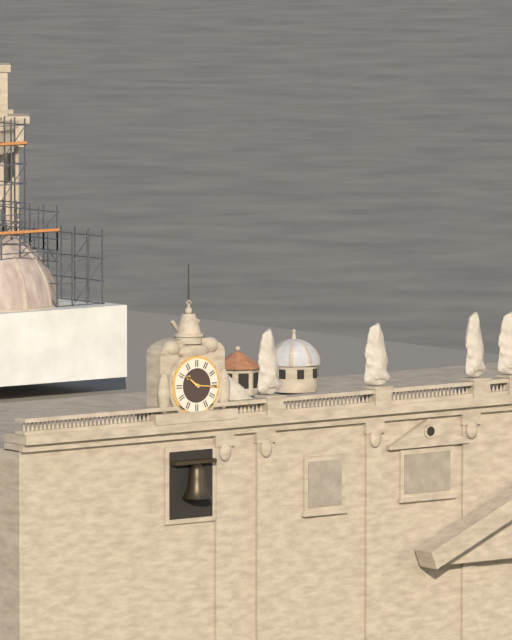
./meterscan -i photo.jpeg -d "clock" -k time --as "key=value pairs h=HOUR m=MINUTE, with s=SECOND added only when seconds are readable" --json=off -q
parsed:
h=10 m=16
